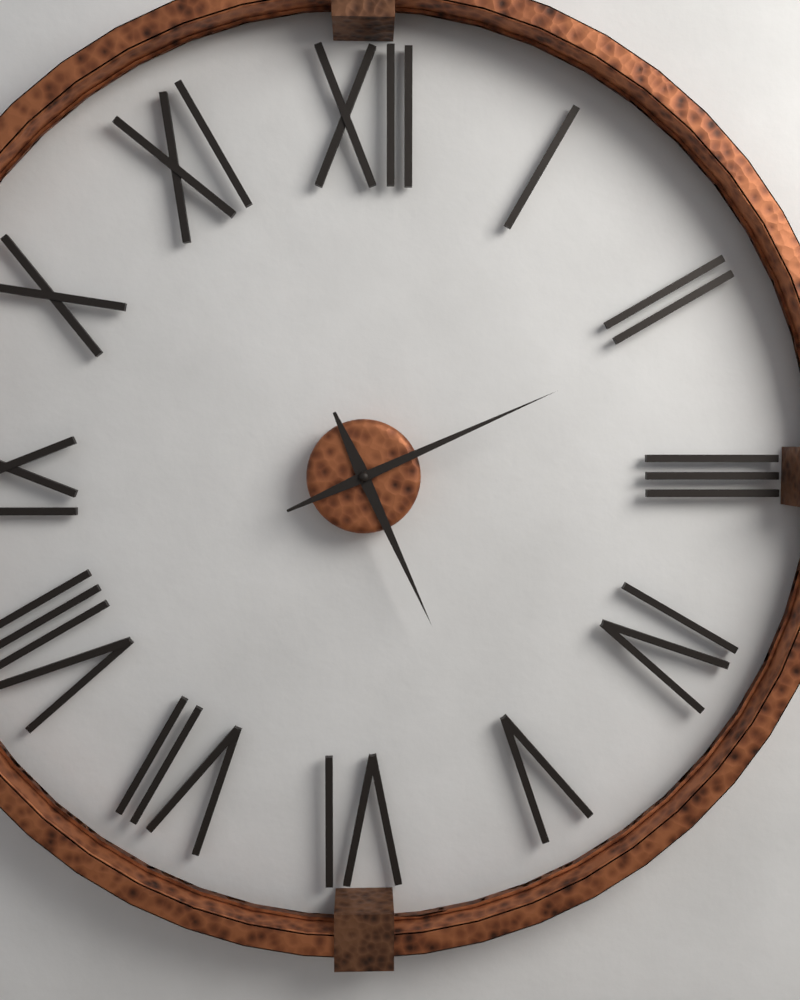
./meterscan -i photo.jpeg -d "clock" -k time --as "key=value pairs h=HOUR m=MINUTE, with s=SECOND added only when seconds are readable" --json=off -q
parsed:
h=5 m=11
